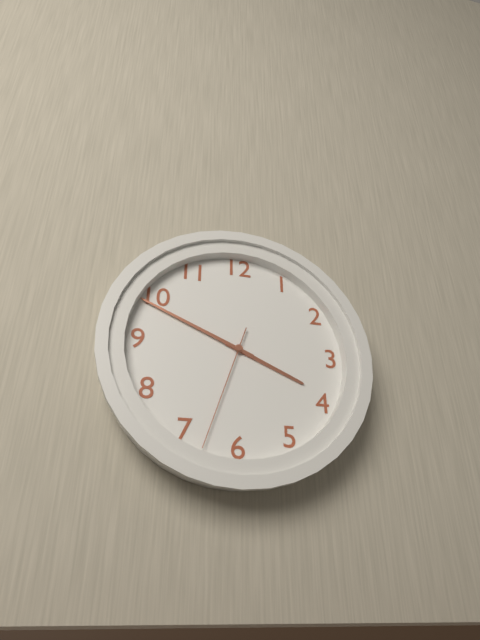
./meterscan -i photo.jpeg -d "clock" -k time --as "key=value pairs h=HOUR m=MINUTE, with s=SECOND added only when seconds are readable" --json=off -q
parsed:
h=3 m=49 s=33
